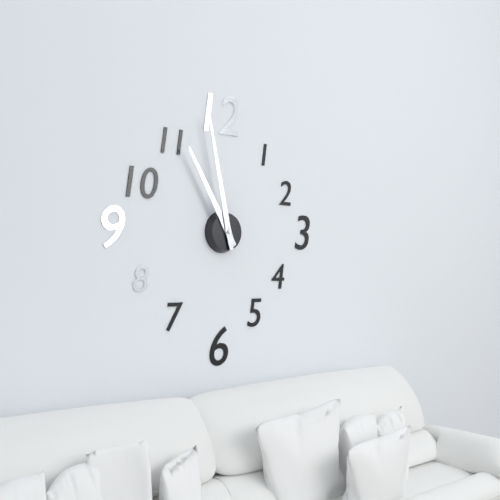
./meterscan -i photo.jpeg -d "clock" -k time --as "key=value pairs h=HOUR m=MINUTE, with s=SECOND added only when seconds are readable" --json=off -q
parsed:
h=10 m=58
